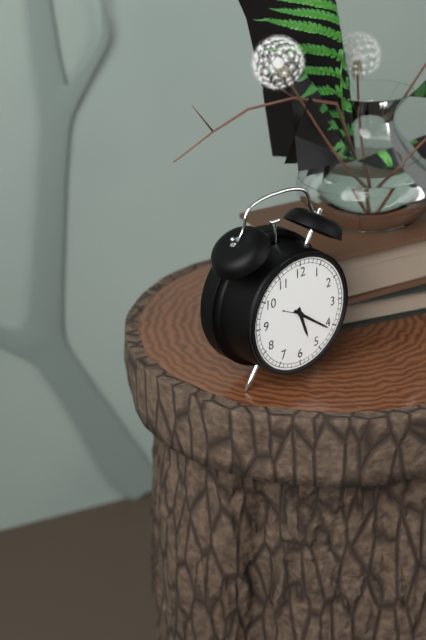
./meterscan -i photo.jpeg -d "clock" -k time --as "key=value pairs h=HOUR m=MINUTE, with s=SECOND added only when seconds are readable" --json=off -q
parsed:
h=5 m=21
